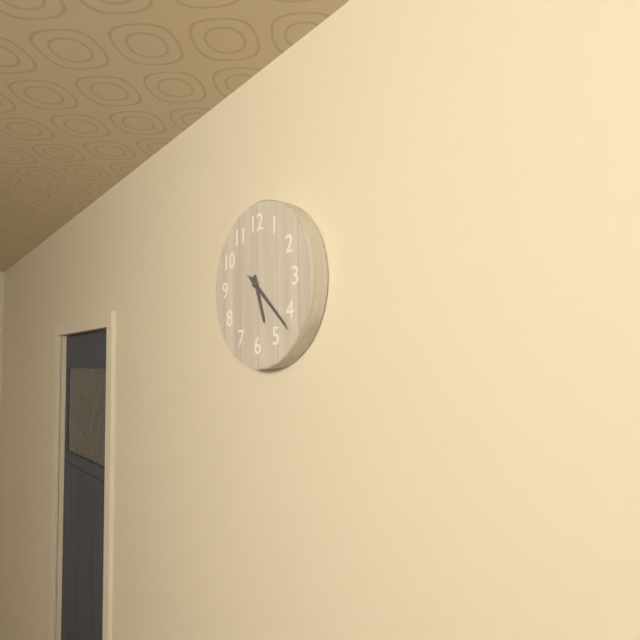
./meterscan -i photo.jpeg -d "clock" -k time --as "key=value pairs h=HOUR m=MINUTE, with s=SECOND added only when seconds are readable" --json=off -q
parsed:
h=5 m=22 s=22
